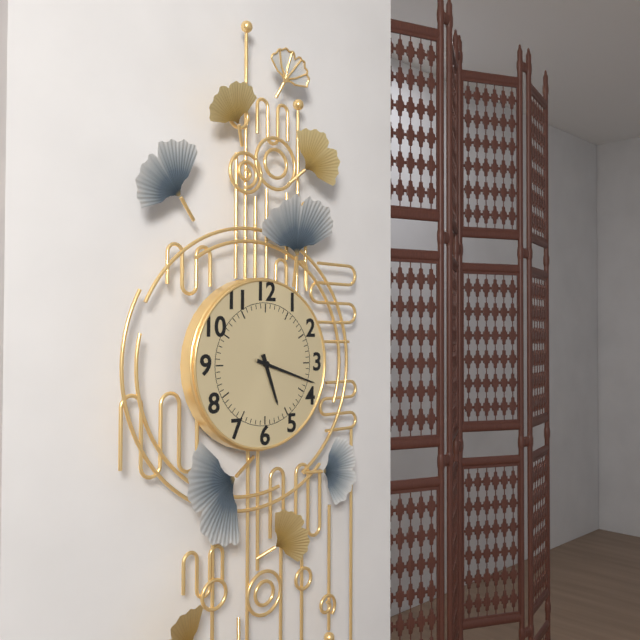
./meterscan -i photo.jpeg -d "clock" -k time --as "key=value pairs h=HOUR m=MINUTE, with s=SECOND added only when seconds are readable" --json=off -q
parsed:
h=5 m=18
